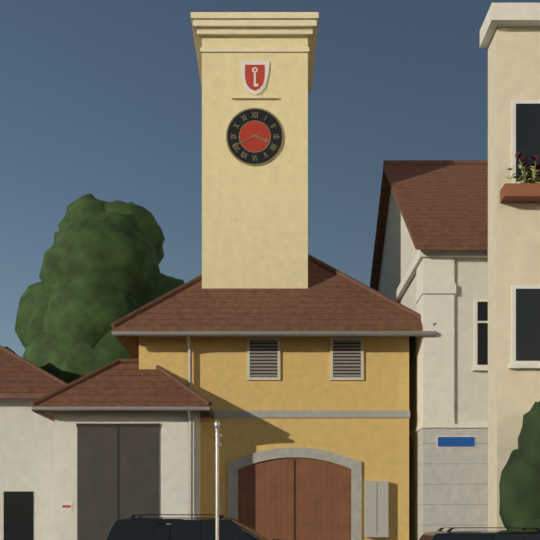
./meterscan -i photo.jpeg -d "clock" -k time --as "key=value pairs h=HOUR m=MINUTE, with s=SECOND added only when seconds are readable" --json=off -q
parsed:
h=3 m=41
